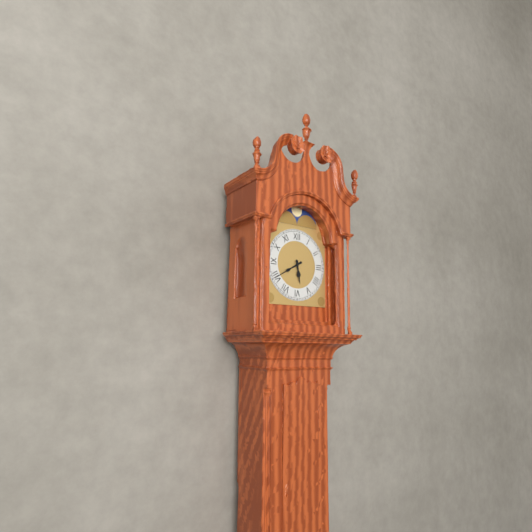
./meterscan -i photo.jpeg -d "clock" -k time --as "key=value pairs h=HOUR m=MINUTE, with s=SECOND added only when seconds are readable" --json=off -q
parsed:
h=5 m=40
